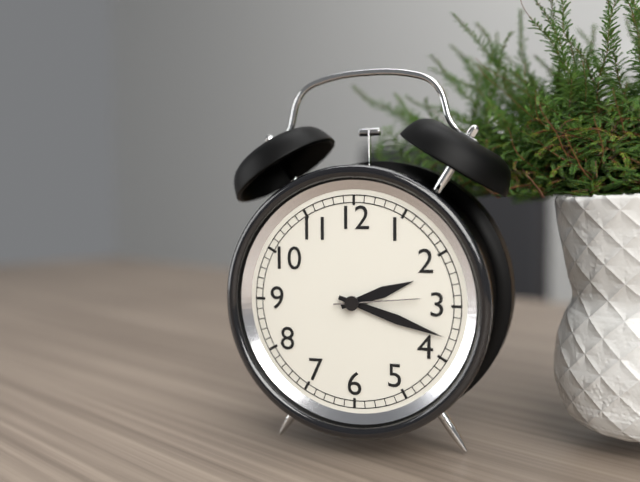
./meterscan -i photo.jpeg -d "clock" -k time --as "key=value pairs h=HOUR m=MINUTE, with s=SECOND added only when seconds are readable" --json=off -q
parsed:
h=2 m=18 s=14
